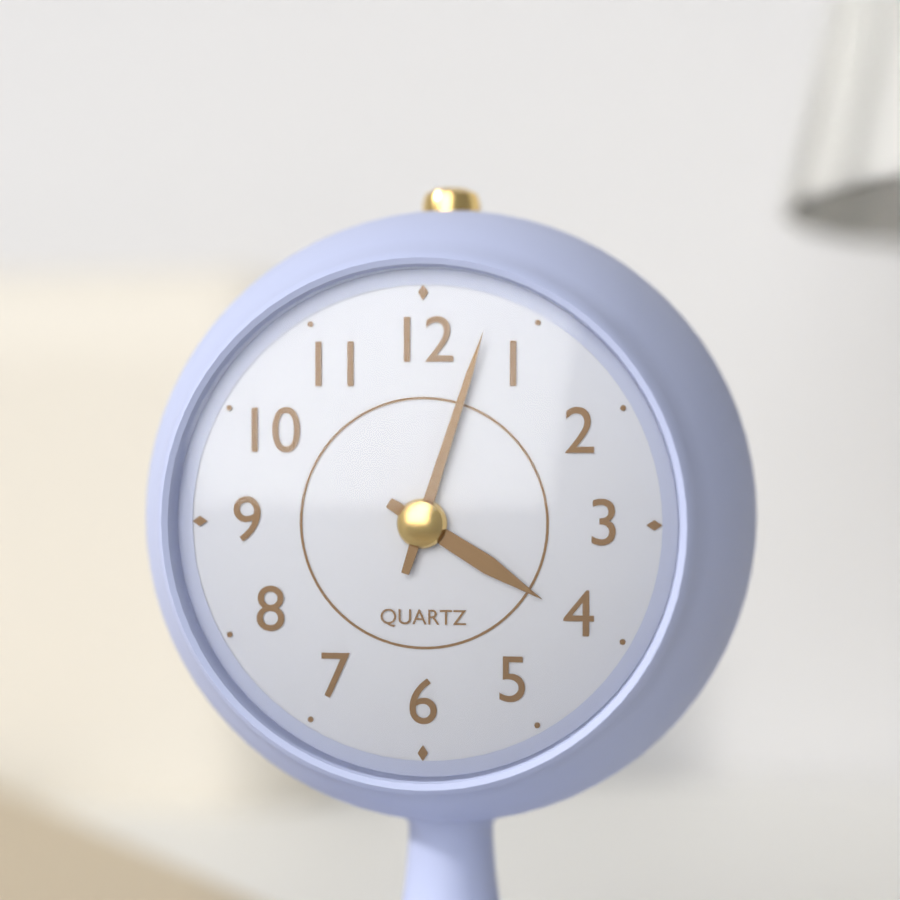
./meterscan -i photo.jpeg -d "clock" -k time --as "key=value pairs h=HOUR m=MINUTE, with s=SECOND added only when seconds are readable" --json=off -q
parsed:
h=4 m=3
